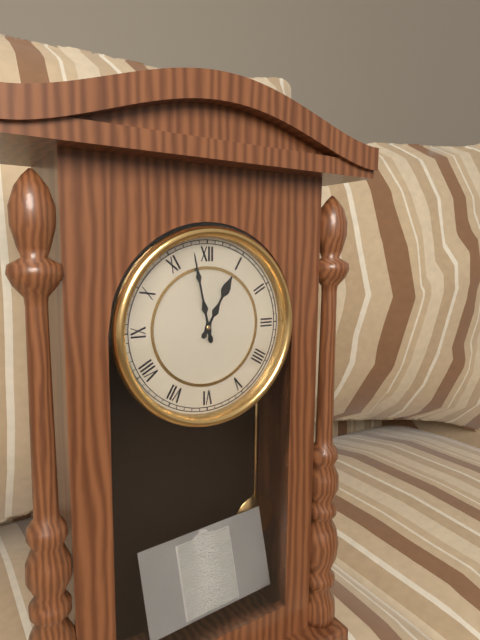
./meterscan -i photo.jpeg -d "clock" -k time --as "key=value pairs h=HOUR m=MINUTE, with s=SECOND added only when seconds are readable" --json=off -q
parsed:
h=12 m=58
